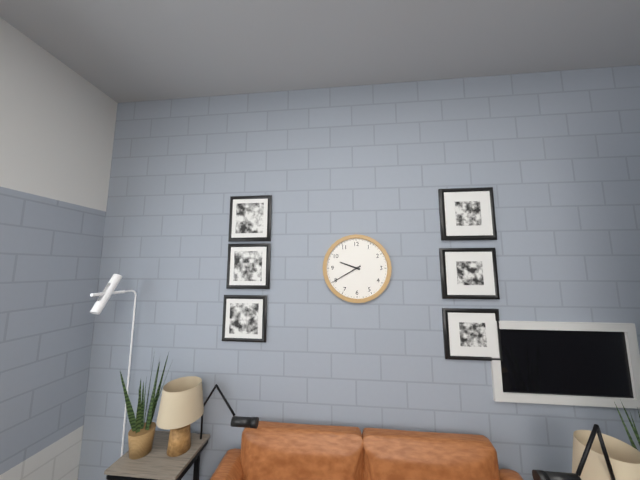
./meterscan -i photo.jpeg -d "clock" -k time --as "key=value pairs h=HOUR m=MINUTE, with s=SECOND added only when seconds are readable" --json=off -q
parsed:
h=9 m=40
